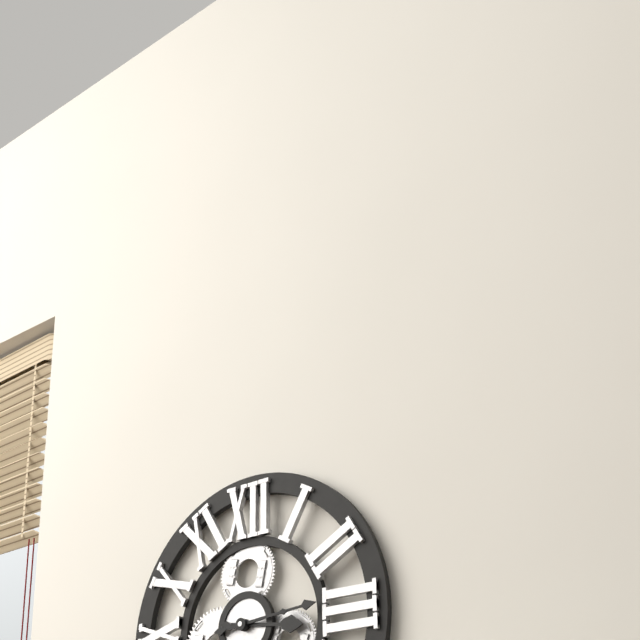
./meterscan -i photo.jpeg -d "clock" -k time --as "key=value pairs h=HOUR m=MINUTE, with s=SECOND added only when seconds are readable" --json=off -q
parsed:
h=3 m=14
